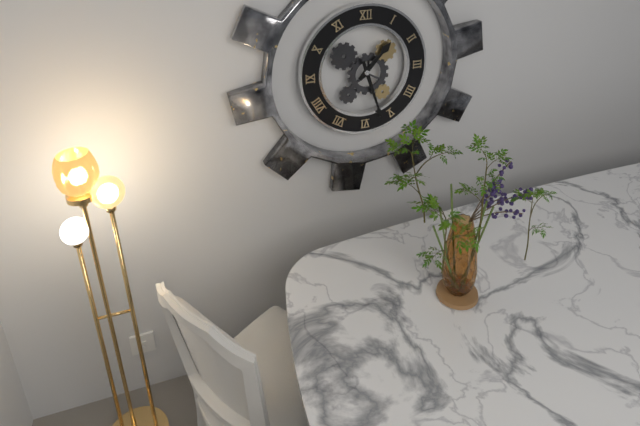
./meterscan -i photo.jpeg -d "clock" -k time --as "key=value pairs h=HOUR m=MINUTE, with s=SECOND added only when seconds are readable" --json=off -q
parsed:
h=1 m=27
